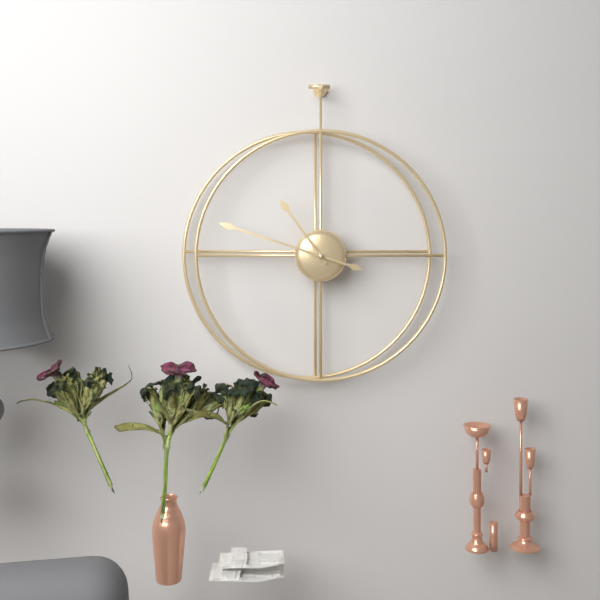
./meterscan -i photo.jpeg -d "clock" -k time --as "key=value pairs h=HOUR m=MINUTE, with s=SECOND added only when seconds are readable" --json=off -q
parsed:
h=10 m=48
